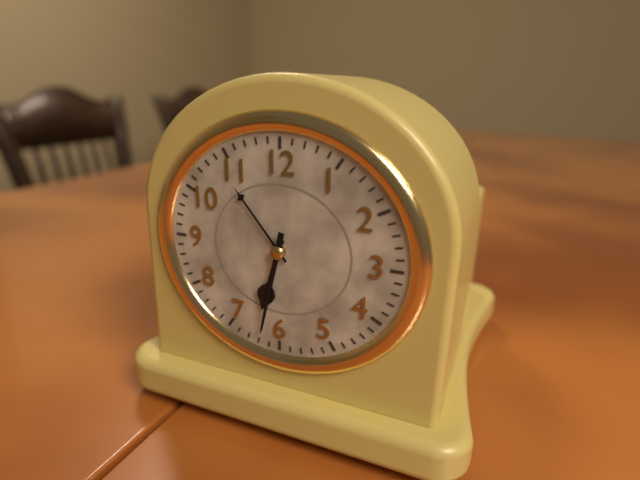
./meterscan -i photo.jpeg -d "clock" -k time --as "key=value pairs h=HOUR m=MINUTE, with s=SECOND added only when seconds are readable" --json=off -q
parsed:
h=6 m=32
